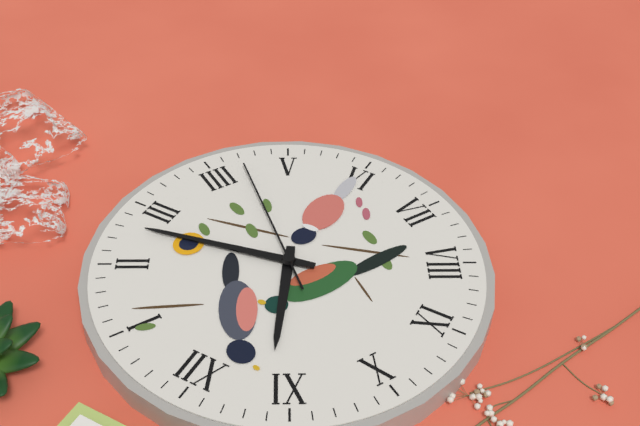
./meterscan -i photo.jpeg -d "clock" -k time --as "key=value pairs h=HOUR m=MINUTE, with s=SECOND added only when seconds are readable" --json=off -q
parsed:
h=11 m=13 s=22
